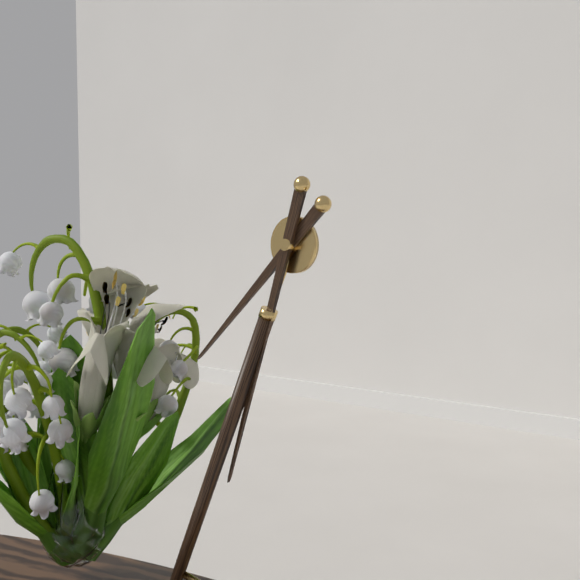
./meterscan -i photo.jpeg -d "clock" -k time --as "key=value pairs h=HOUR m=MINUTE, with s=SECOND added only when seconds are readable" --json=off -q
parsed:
h=7 m=33
